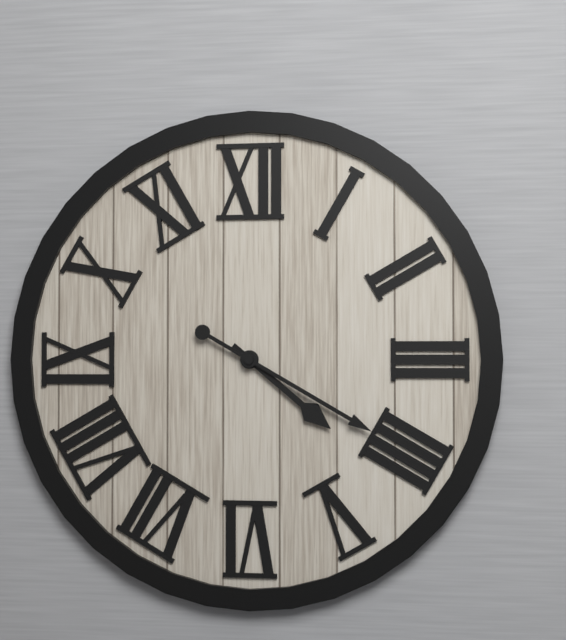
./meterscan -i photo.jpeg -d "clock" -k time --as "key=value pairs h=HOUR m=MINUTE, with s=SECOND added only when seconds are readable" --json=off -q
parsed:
h=4 m=20
